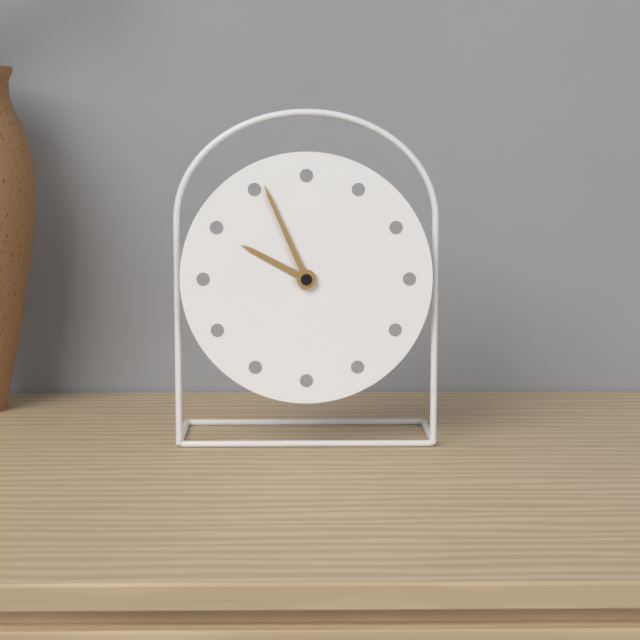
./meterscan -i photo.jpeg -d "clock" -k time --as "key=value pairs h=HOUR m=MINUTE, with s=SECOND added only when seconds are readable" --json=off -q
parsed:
h=9 m=56
